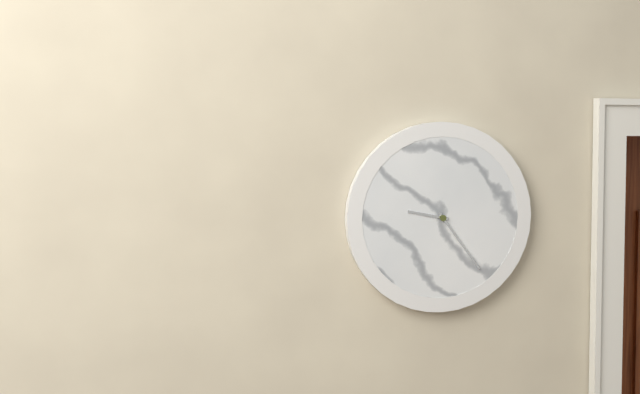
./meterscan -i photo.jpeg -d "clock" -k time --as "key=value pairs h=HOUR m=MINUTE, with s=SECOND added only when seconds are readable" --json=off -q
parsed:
h=9 m=24
